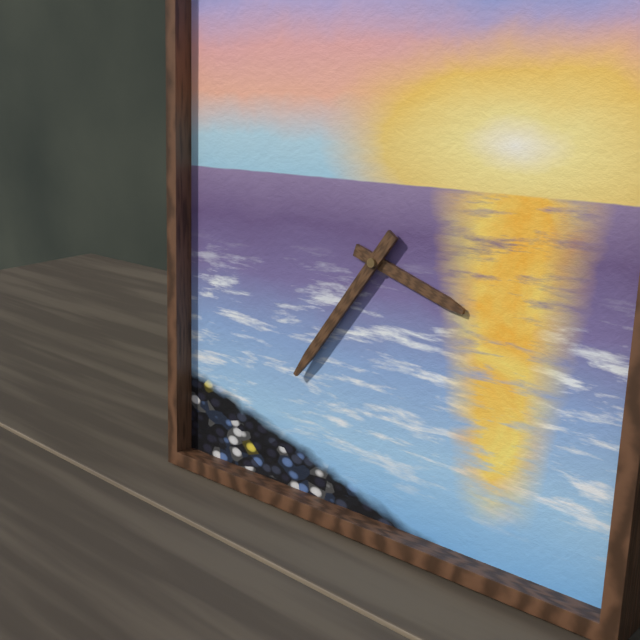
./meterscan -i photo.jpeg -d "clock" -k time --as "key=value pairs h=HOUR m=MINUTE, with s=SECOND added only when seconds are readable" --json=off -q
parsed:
h=3 m=36
